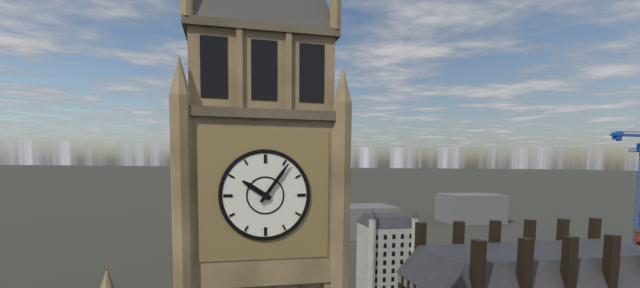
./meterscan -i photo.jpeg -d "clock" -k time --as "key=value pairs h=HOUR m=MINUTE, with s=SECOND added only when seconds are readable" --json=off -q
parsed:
h=10 m=6
